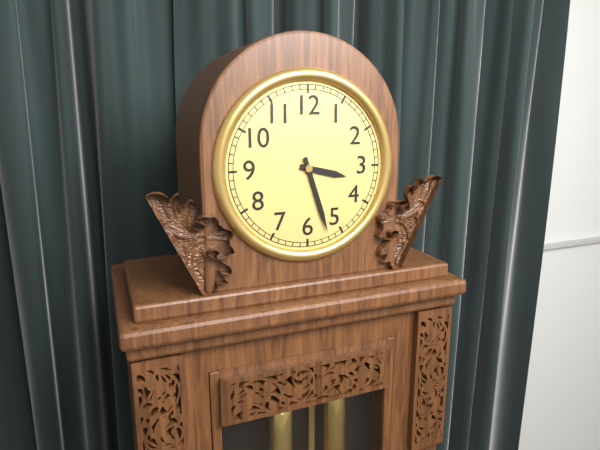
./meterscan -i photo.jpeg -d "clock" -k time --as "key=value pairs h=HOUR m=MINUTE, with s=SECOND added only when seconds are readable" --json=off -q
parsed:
h=3 m=27
